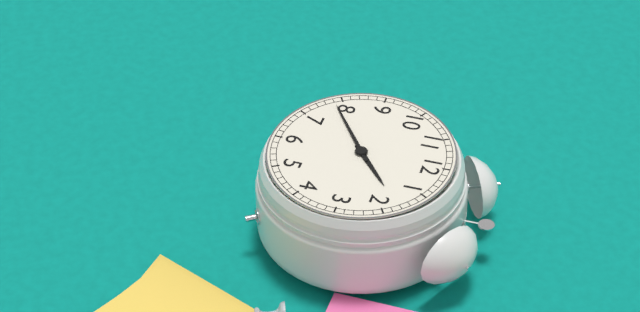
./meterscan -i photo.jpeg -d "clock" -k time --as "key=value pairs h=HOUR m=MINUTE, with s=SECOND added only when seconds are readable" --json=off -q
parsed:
h=1 m=39
